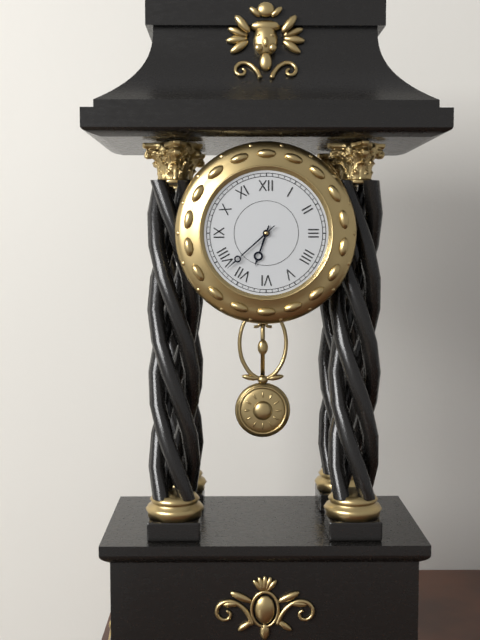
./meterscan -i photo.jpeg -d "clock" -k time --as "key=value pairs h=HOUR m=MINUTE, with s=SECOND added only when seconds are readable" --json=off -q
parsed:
h=6 m=38
